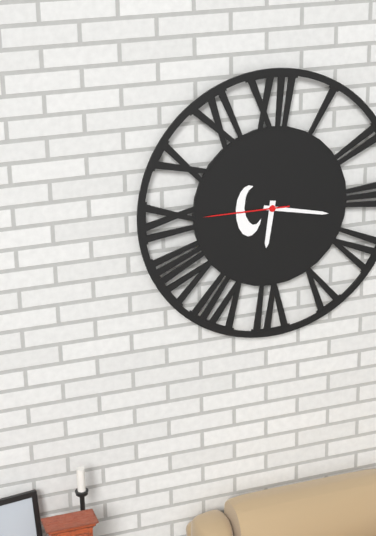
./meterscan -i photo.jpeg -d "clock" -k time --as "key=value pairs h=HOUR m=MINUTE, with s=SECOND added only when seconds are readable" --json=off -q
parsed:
h=6 m=17 s=45
